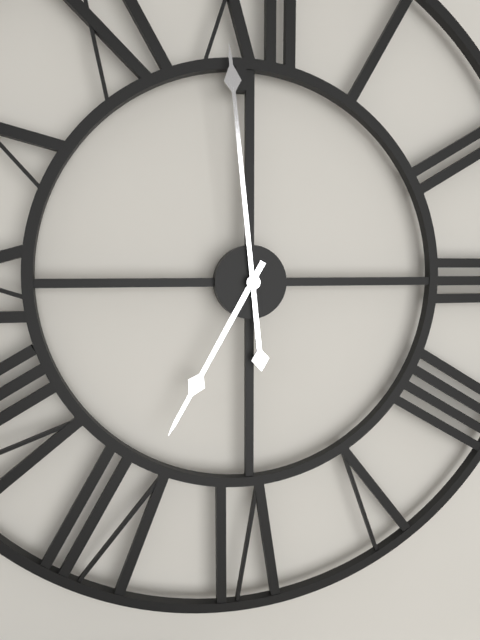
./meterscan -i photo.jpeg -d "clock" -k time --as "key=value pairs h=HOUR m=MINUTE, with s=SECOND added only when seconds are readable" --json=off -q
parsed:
h=6 m=59
